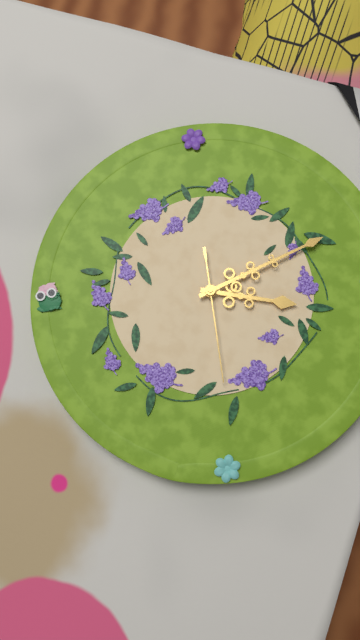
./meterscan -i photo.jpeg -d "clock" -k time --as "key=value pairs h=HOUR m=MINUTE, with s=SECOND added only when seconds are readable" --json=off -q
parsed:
h=3 m=10 s=28
